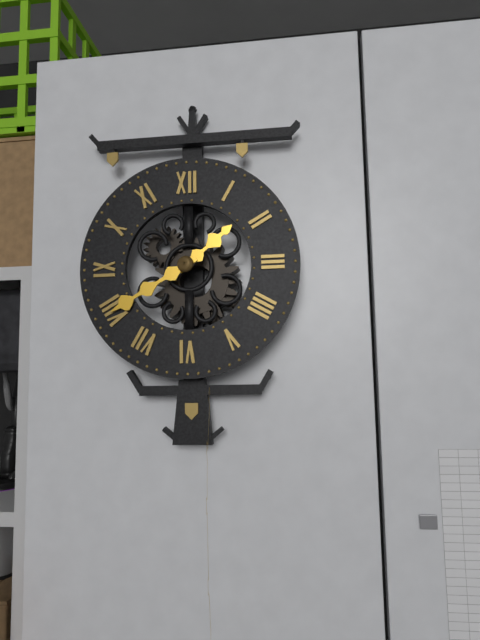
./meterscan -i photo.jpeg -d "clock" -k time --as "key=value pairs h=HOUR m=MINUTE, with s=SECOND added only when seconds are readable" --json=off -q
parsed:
h=1 m=40
